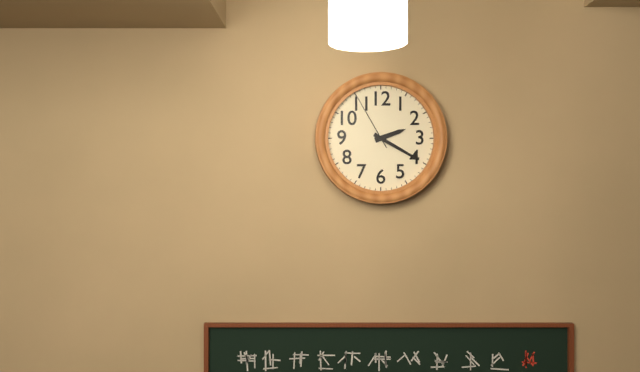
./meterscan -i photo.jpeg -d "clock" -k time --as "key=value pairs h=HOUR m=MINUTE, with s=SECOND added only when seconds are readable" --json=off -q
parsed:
h=2 m=20 s=55
